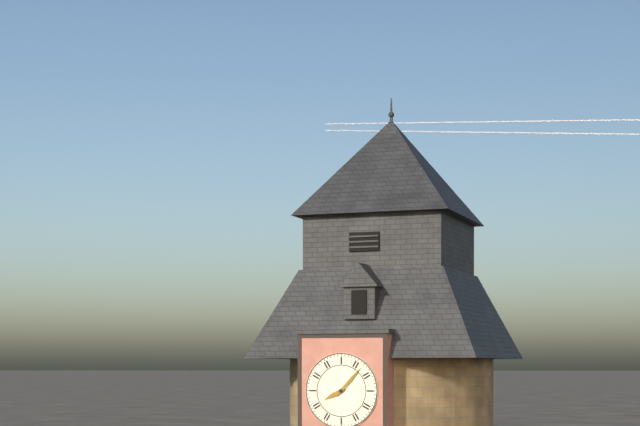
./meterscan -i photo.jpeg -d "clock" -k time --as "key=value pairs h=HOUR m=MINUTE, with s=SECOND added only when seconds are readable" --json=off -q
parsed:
h=8 m=7
